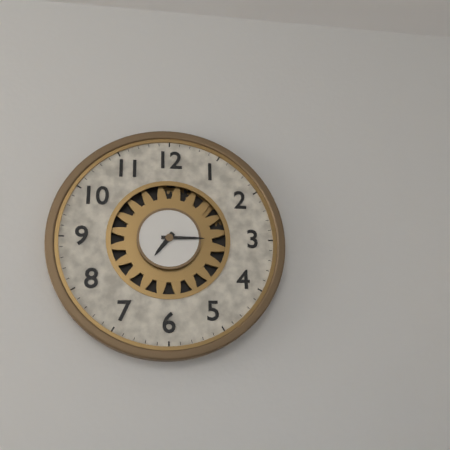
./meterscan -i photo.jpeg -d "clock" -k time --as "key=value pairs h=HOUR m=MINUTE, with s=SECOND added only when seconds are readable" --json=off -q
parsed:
h=7 m=15
